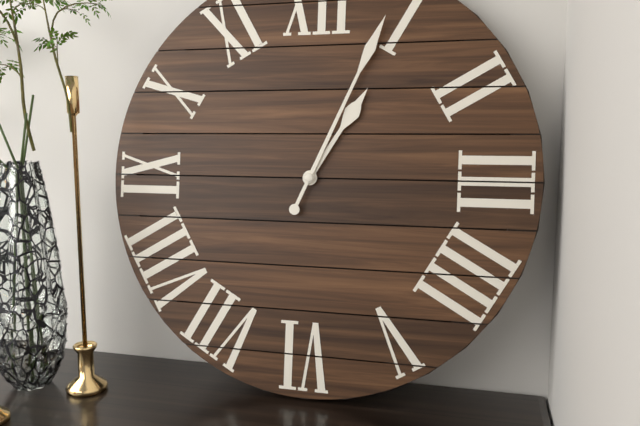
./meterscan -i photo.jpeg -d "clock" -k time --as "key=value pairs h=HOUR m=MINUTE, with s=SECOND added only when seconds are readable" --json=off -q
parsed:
h=1 m=4
